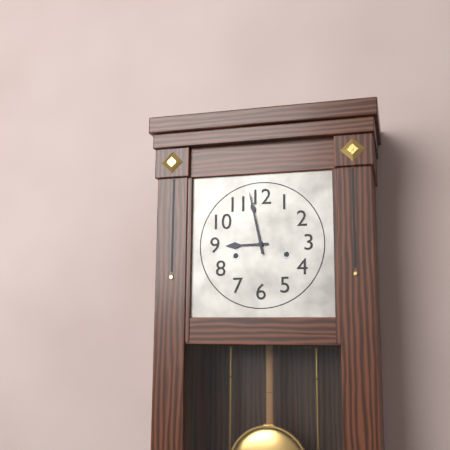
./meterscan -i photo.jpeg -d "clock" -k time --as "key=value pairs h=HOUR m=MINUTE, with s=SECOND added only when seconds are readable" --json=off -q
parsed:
h=8 m=58
